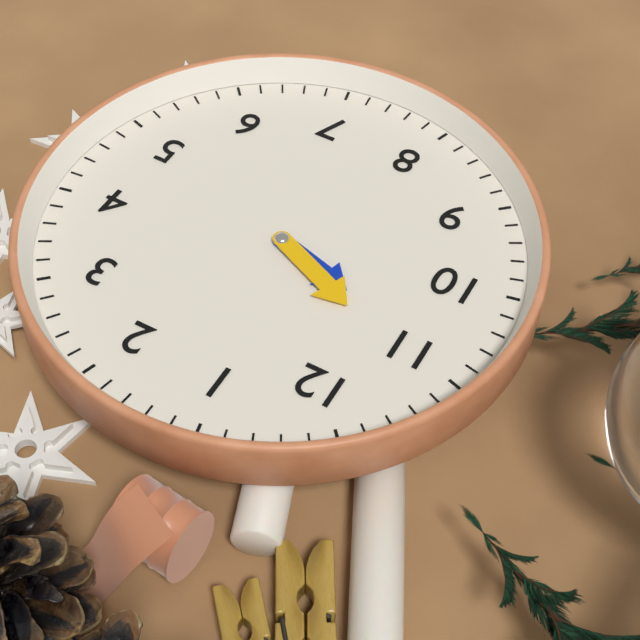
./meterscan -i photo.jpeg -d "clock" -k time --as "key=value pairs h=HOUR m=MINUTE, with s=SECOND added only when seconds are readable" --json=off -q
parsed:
h=10 m=56
